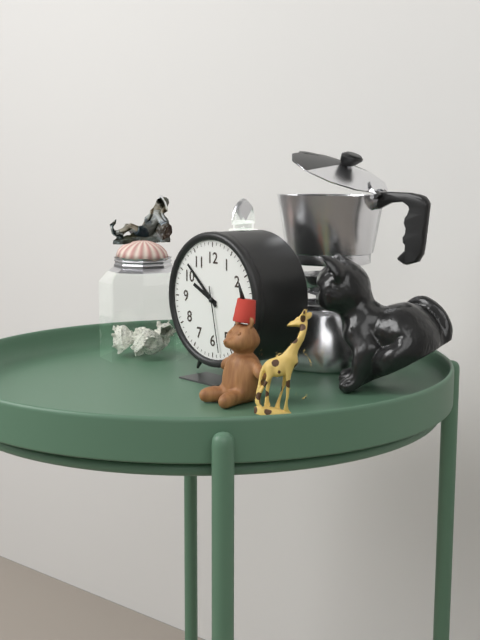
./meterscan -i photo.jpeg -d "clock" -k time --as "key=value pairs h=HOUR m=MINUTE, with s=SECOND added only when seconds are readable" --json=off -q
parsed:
h=9 m=52 s=28
